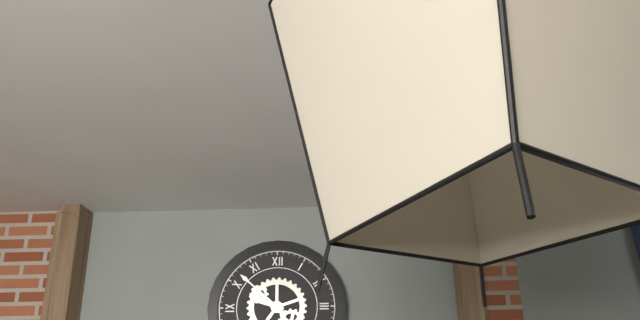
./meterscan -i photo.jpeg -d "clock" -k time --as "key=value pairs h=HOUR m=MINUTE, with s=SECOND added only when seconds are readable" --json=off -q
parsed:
h=9 m=52
